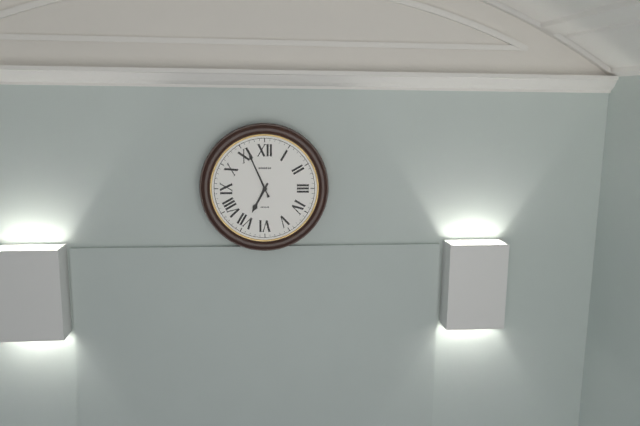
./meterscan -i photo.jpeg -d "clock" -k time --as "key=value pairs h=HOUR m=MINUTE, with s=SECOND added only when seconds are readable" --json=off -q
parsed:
h=6 m=56
